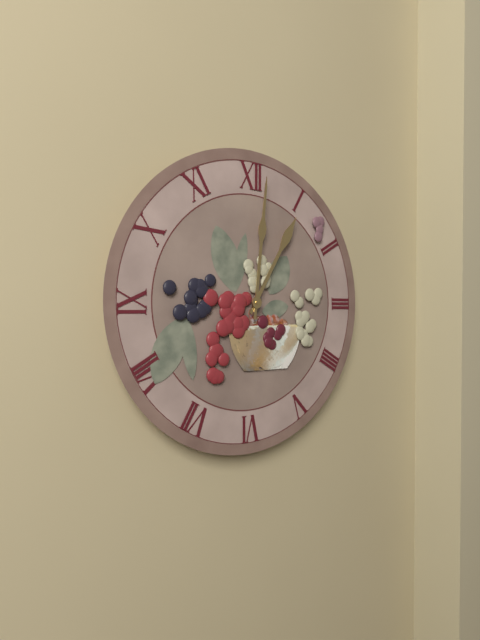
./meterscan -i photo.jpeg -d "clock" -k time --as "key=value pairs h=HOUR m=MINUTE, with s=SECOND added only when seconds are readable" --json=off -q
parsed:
h=1 m=1
